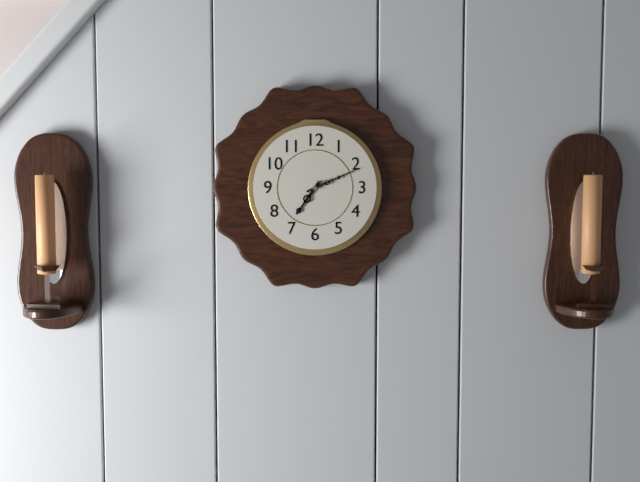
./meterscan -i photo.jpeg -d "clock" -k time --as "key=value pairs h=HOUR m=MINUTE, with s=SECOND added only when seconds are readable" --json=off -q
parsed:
h=7 m=11
